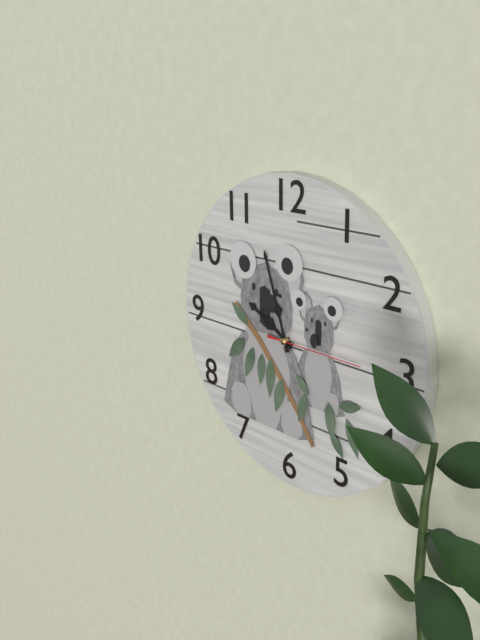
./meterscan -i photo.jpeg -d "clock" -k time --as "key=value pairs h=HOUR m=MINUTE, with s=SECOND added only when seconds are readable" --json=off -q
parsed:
h=9 m=57 s=15
